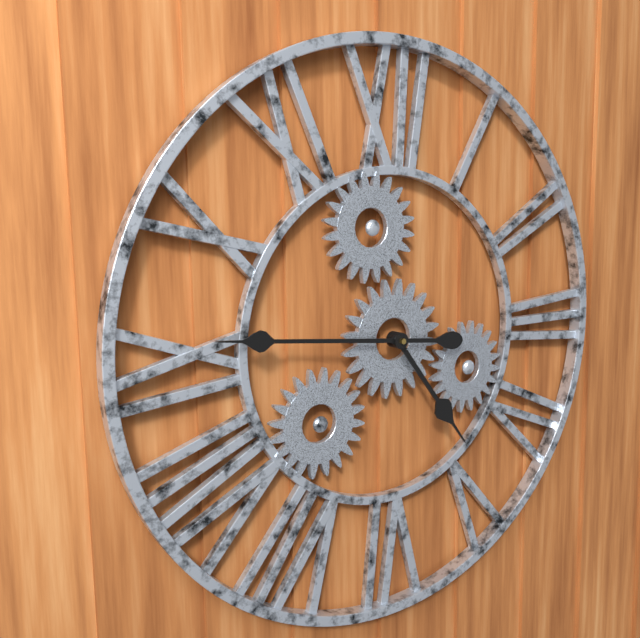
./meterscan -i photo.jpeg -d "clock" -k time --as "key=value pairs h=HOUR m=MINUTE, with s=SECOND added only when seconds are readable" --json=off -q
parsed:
h=4 m=46
